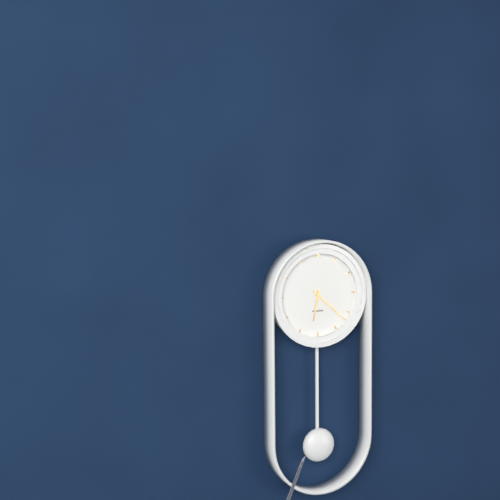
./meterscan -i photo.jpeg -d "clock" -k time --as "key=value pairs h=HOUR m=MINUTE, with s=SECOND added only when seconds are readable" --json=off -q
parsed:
h=6 m=22
